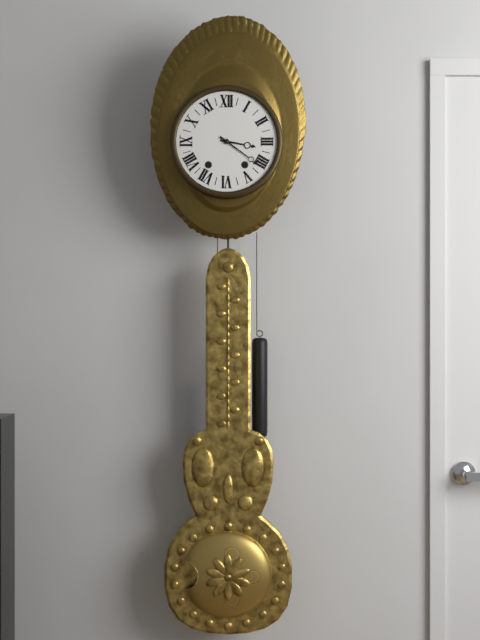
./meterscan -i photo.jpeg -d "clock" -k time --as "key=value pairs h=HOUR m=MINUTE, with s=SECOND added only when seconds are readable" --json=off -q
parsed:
h=3 m=21
